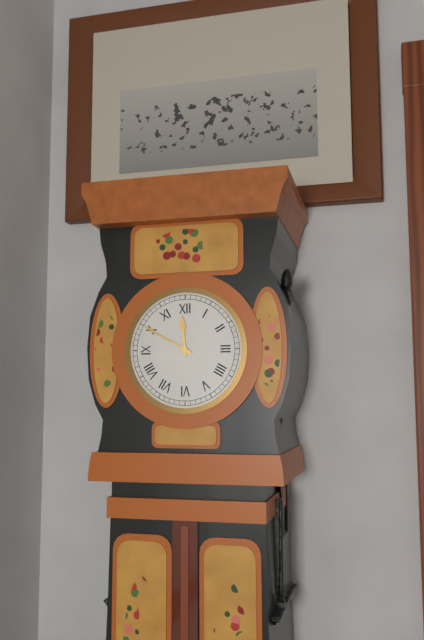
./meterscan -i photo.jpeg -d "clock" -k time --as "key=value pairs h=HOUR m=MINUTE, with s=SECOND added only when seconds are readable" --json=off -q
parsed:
h=11 m=50
